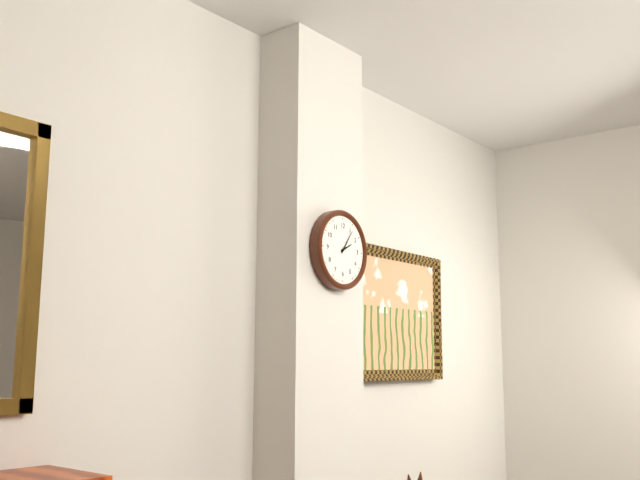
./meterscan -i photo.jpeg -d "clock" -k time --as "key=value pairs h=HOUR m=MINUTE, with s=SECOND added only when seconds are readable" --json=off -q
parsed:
h=2 m=6
